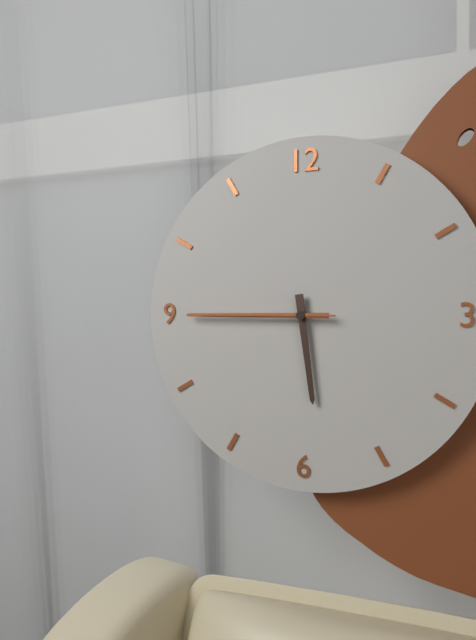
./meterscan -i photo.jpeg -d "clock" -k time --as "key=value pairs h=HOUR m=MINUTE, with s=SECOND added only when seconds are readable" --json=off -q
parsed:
h=5 m=45 s=45
